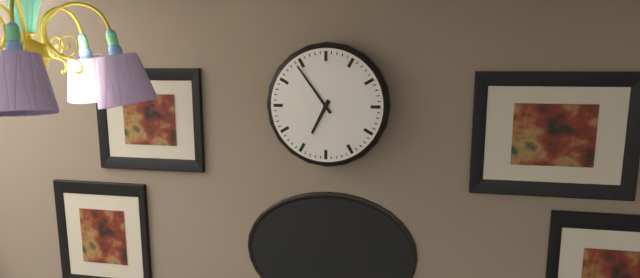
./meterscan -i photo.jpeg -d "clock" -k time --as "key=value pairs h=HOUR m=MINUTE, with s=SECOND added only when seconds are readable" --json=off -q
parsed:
h=6 m=54
